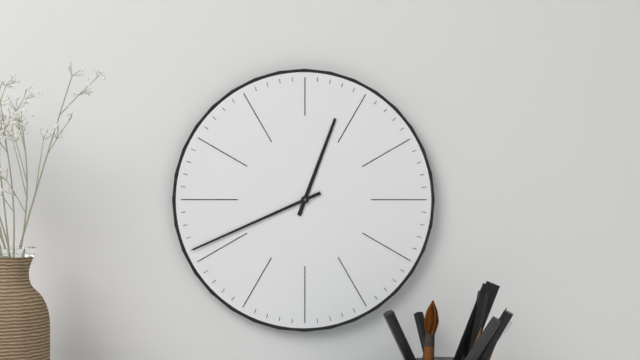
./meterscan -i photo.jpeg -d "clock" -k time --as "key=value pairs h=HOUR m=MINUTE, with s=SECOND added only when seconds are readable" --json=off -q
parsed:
h=12 m=41
